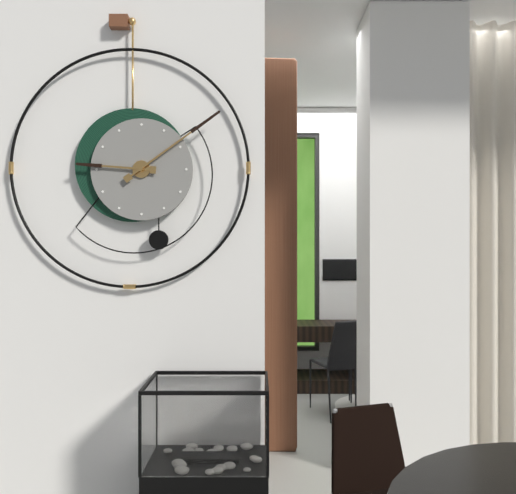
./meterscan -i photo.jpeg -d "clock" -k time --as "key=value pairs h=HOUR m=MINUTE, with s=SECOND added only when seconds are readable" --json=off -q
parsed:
h=9 m=9
